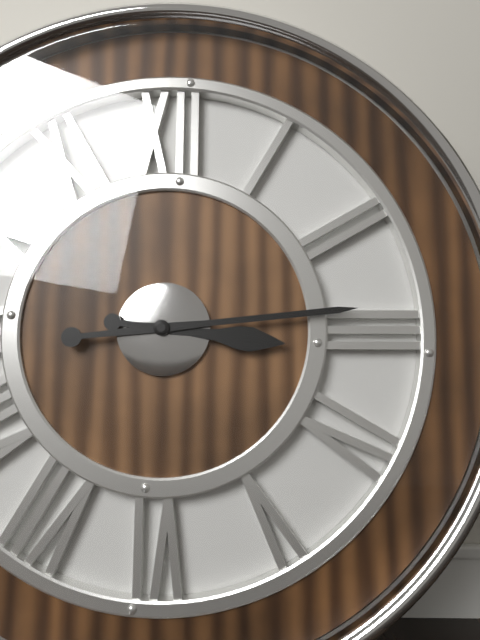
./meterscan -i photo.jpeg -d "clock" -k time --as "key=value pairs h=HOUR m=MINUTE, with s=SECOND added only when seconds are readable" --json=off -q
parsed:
h=3 m=14
